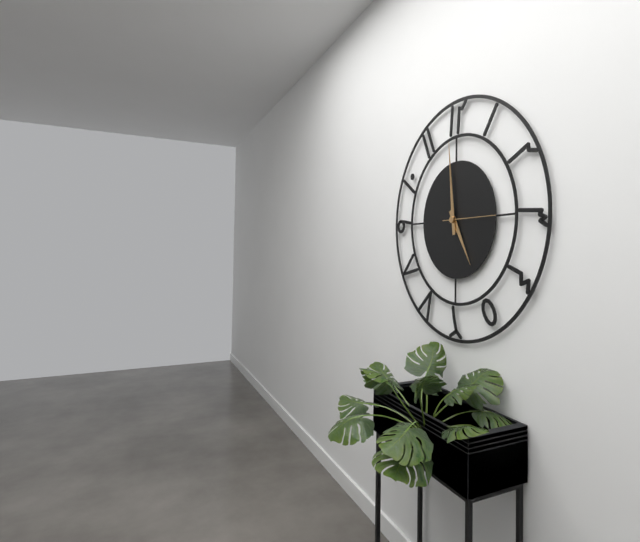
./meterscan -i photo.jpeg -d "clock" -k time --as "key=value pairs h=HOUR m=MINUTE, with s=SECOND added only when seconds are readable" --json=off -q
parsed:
h=4 m=59 s=15
